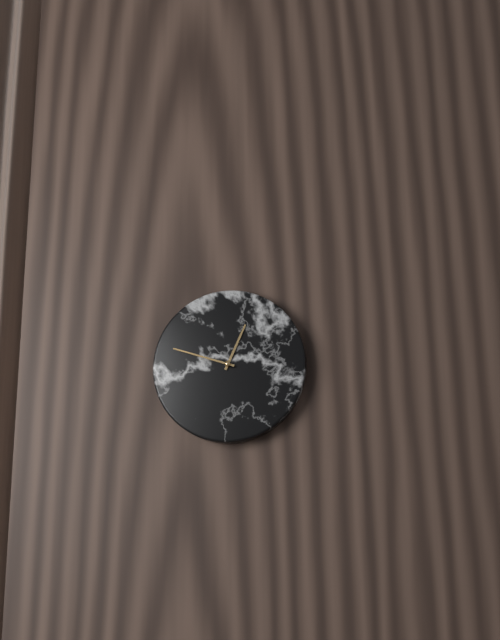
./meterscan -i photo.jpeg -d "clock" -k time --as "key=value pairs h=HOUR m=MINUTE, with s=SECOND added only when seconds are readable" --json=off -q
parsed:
h=12 m=48
